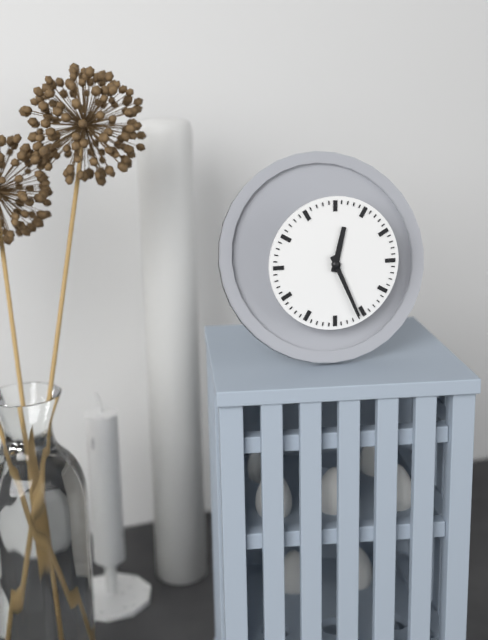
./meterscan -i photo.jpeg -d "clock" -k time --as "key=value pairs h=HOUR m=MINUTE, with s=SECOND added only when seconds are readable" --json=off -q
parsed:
h=12 m=26
